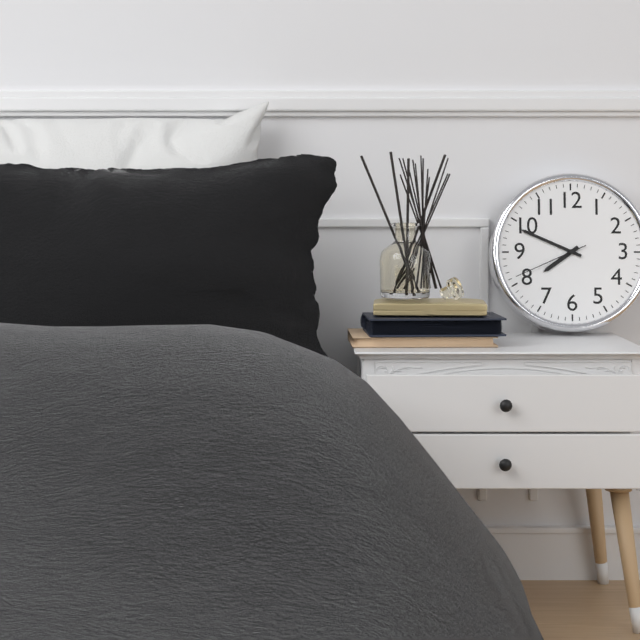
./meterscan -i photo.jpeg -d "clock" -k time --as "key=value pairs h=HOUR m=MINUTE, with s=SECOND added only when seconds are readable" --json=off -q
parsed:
h=7 m=49 s=41
